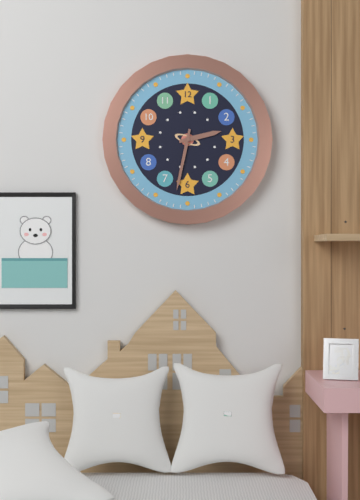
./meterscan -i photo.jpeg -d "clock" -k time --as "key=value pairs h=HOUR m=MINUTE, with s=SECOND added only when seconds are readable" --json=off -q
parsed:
h=2 m=32
